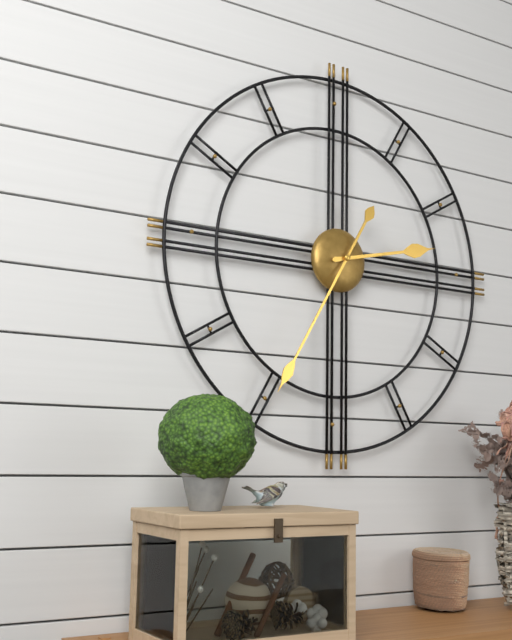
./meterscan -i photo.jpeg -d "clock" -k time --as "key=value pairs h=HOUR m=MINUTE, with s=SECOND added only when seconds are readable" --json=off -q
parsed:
h=2 m=35
